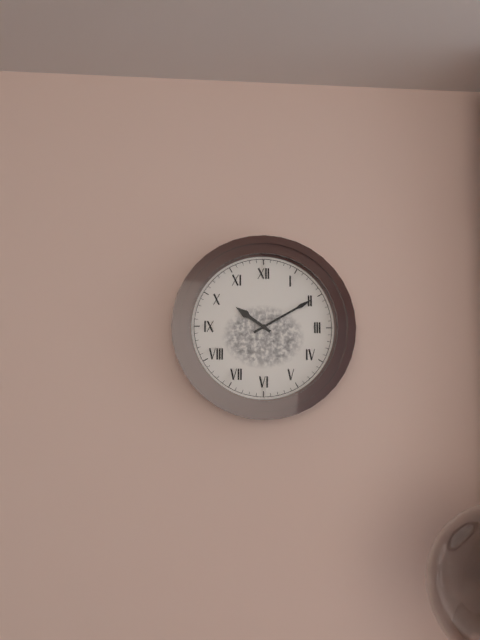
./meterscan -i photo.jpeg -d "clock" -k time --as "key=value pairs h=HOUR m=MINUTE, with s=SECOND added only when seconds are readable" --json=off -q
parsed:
h=10 m=10
